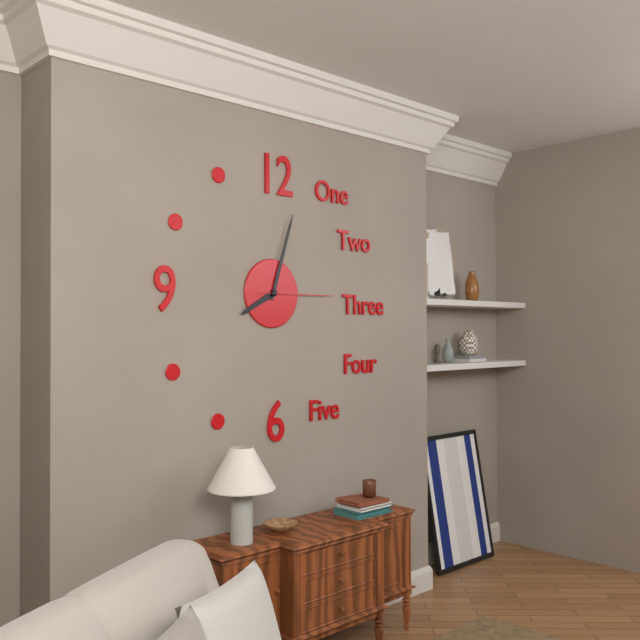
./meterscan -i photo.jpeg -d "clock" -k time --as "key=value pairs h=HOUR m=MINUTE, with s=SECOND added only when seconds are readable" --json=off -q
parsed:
h=8 m=3 s=15
